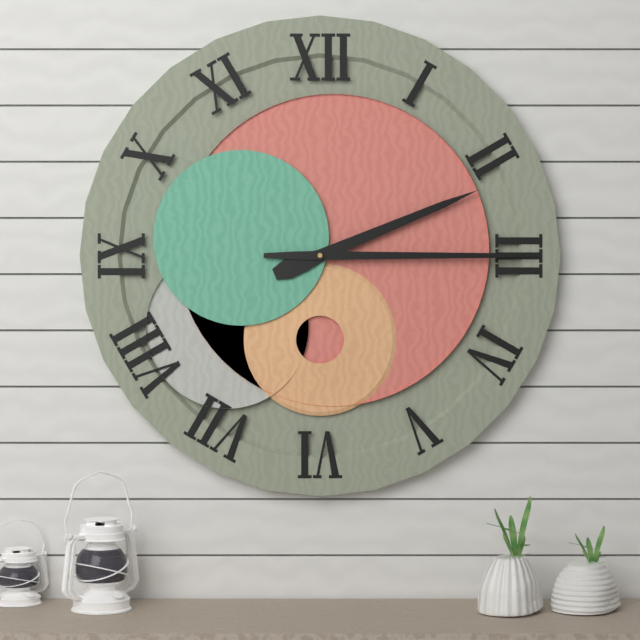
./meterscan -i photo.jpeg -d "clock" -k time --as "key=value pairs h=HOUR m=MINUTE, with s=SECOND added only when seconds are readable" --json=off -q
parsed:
h=2 m=15
